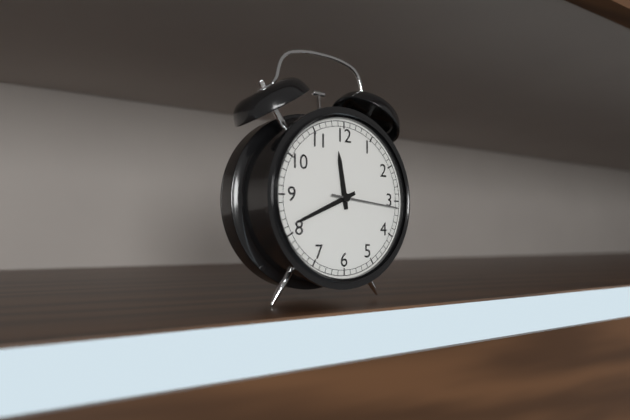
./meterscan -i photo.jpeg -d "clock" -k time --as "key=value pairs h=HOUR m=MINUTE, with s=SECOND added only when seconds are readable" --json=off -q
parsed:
h=11 m=41 s=16
